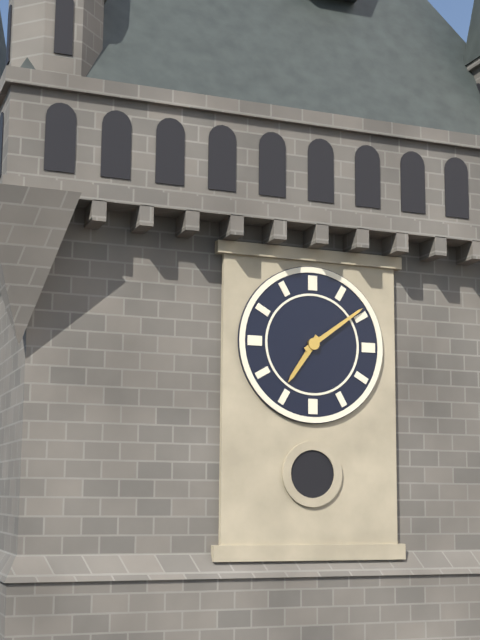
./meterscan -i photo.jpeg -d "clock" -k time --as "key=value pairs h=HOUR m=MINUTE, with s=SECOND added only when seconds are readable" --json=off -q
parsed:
h=7 m=9
